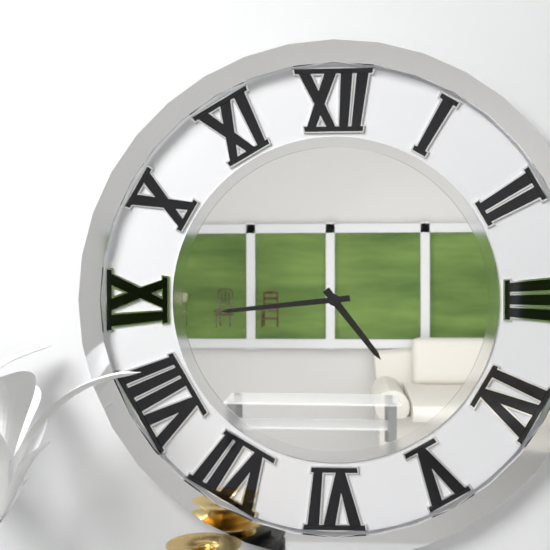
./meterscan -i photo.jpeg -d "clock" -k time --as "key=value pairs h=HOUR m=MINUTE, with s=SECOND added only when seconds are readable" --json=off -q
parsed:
h=4 m=44
